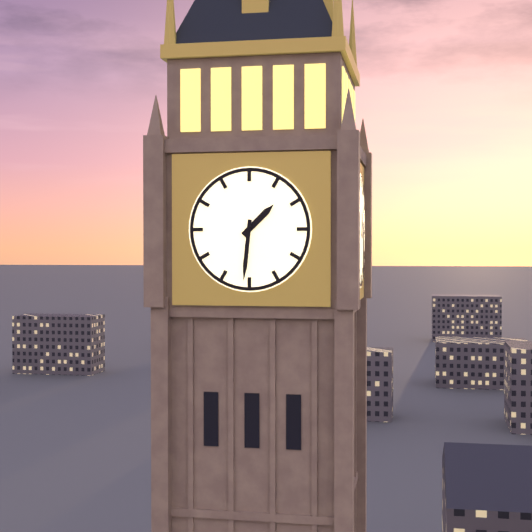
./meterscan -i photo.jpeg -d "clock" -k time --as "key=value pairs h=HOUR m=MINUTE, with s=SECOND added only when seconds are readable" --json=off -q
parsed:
h=1 m=31
